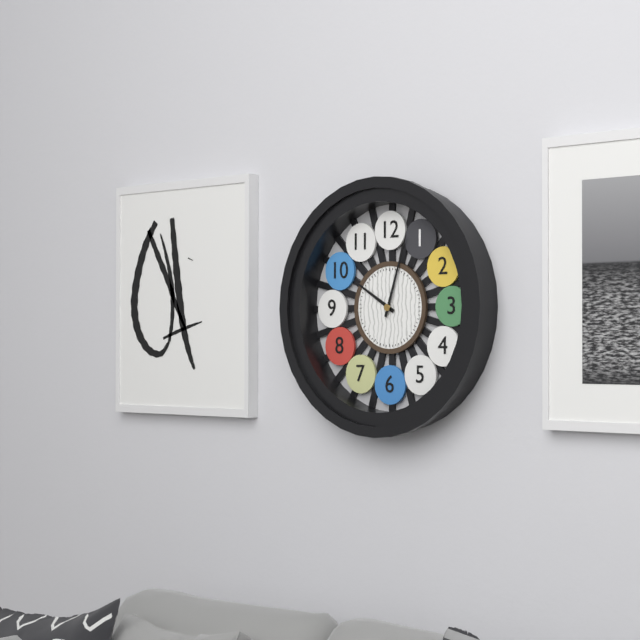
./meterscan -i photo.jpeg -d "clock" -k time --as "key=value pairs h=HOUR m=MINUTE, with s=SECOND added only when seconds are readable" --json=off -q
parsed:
h=10 m=3
